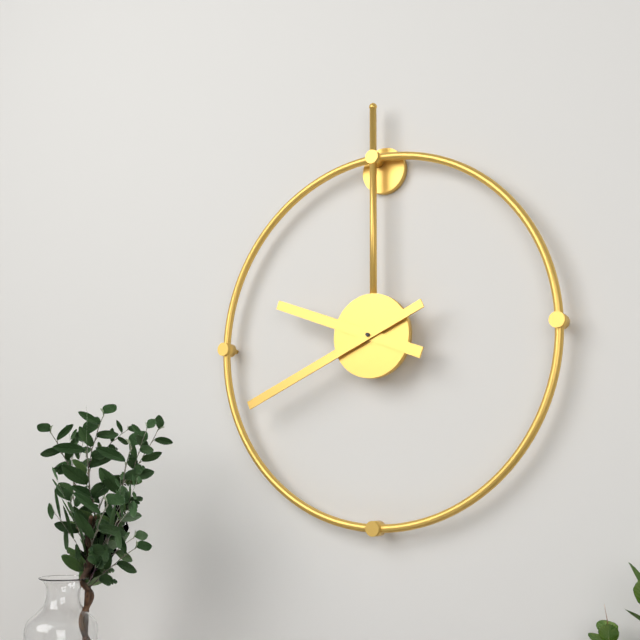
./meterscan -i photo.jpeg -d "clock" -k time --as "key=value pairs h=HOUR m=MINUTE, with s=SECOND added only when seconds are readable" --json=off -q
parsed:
h=9 m=41
